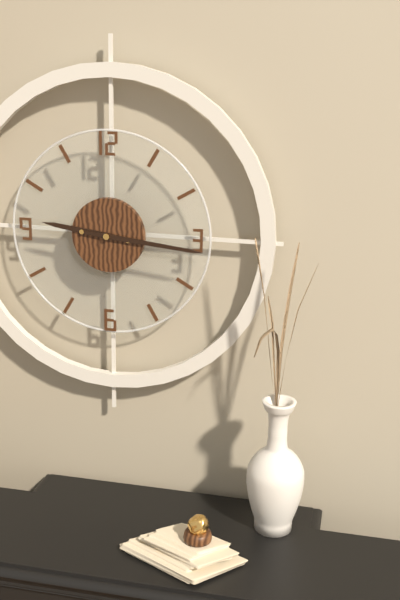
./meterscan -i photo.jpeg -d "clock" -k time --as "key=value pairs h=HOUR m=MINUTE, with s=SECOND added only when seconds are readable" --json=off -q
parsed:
h=9 m=16
